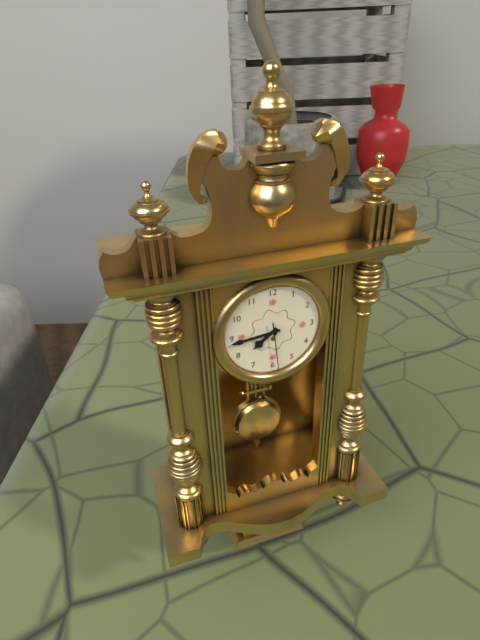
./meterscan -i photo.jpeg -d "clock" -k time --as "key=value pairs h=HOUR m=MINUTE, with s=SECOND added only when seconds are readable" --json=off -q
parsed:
h=7 m=44 s=29
